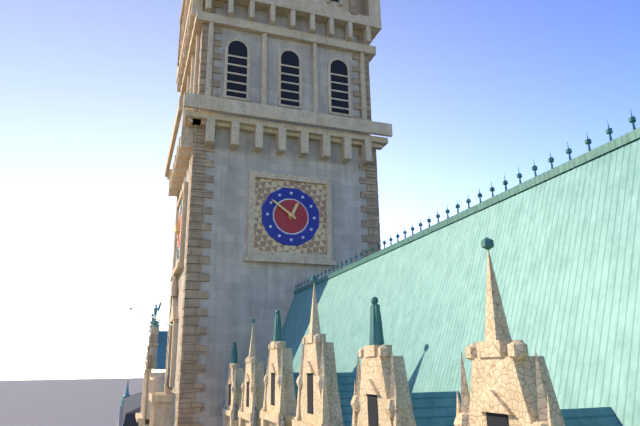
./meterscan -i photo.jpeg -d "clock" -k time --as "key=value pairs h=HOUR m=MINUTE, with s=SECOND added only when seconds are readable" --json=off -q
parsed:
h=12 m=51
